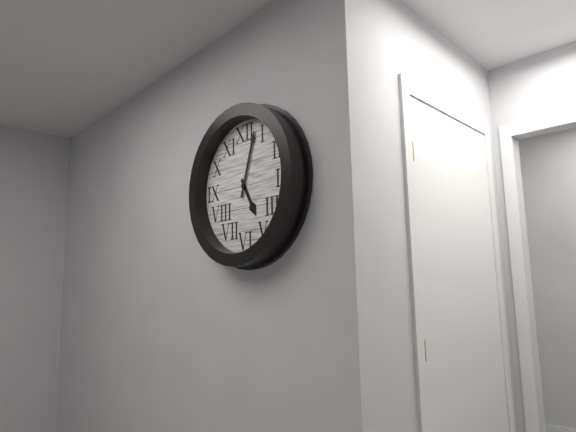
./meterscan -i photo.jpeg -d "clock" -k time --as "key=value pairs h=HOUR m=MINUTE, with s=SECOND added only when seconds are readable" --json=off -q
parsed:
h=5 m=3
